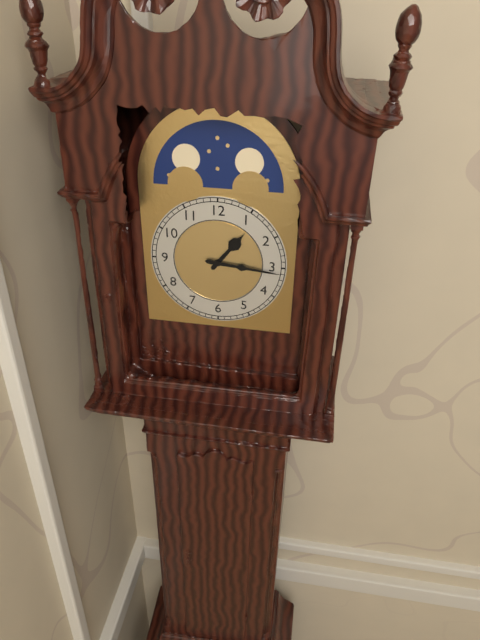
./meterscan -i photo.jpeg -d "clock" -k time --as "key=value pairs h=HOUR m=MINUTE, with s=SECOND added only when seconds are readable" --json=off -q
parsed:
h=1 m=16
